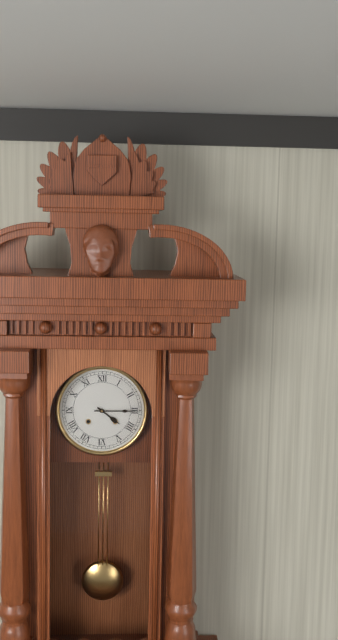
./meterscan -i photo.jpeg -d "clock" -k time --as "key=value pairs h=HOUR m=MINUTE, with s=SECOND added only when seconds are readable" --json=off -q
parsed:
h=4 m=15
